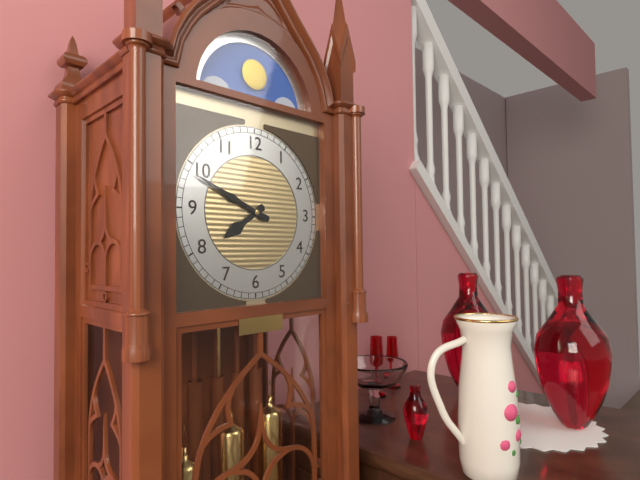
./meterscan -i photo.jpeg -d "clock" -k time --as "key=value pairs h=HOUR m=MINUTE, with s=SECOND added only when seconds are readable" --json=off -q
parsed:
h=7 m=49
